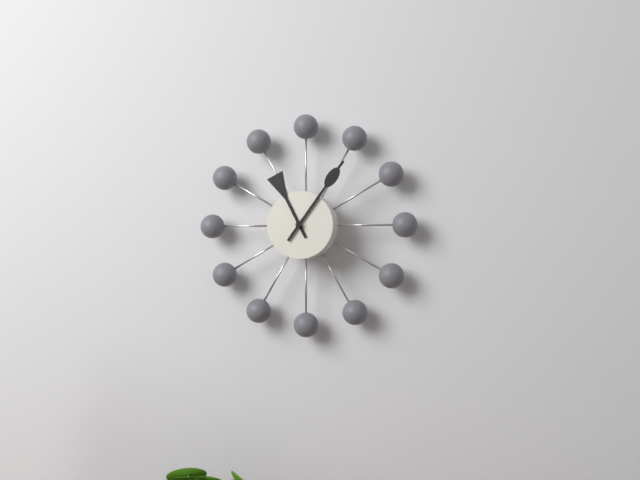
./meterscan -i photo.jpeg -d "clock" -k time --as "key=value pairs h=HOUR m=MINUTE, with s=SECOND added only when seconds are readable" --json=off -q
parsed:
h=11 m=6
